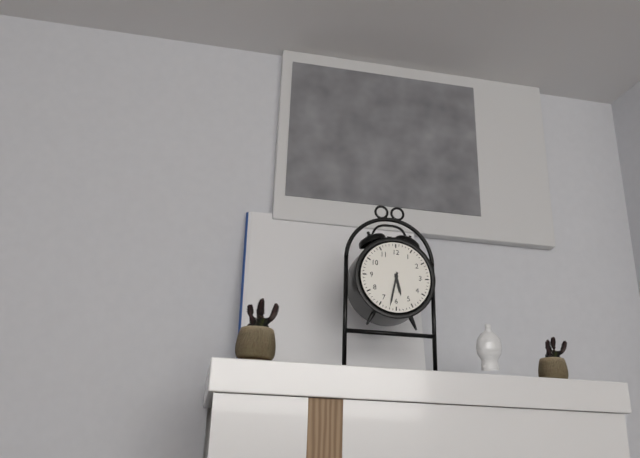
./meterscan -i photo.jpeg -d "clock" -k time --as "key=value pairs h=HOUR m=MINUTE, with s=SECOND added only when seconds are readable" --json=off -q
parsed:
h=5 m=32
